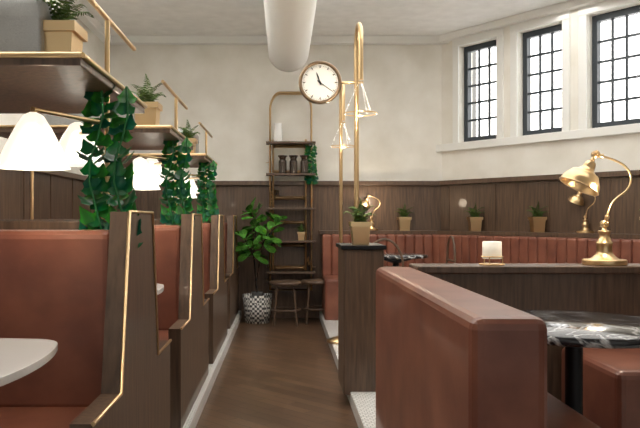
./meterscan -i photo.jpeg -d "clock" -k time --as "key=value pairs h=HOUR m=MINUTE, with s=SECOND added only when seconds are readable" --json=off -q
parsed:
h=11 m=21
